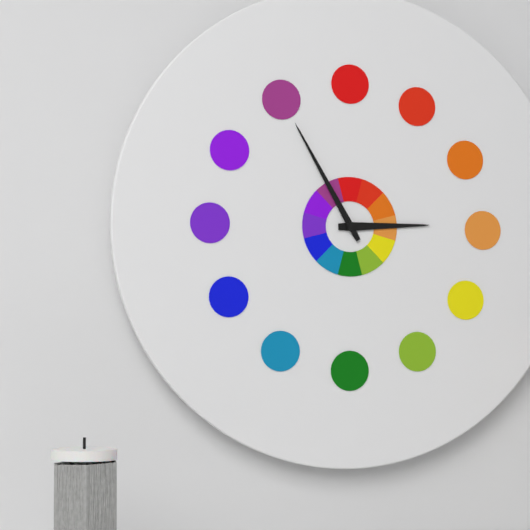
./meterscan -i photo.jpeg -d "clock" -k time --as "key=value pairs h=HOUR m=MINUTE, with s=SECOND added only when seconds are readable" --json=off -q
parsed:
h=2 m=55
